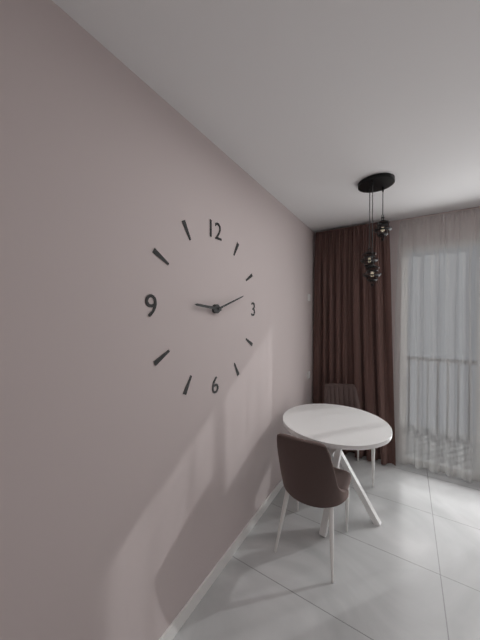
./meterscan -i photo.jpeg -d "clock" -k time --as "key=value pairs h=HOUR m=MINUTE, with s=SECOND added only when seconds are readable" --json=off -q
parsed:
h=9 m=12
